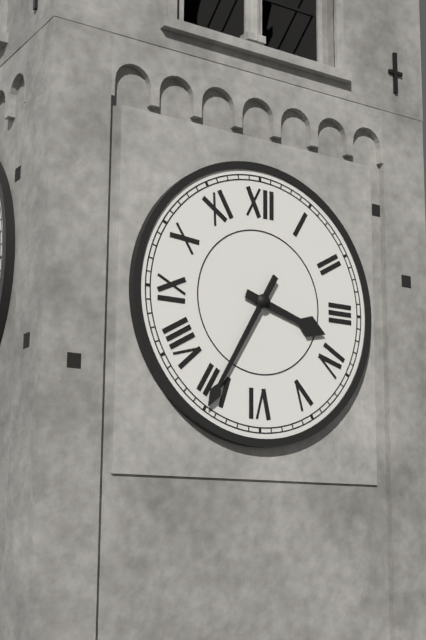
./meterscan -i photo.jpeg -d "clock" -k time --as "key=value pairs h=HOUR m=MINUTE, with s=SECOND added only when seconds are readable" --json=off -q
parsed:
h=3 m=35
